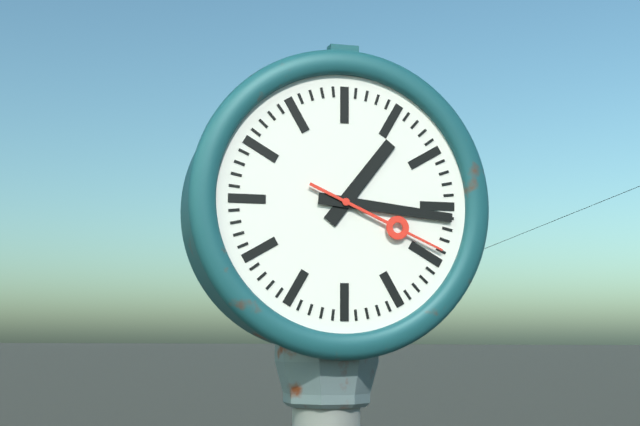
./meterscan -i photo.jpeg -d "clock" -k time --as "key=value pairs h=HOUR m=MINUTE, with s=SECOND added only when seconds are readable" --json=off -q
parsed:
h=1 m=16 s=19
